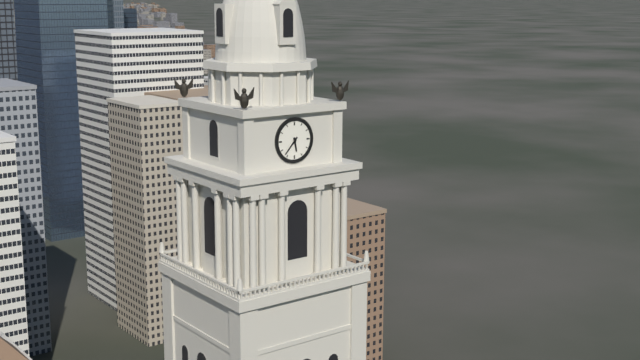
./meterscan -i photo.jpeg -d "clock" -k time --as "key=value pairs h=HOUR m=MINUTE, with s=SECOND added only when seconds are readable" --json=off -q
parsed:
h=5 m=37
